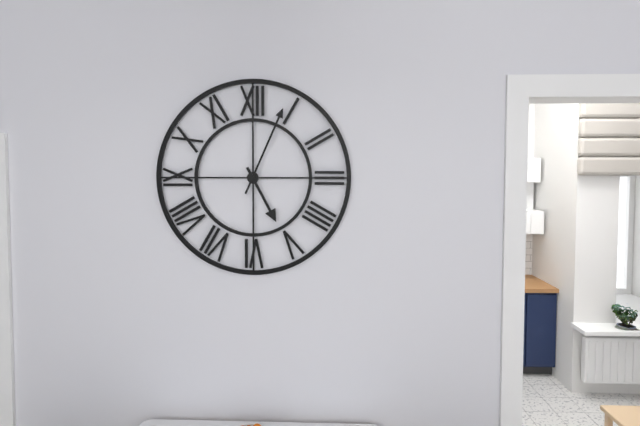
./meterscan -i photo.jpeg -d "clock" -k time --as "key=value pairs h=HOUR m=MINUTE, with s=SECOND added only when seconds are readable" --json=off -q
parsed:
h=5 m=4
